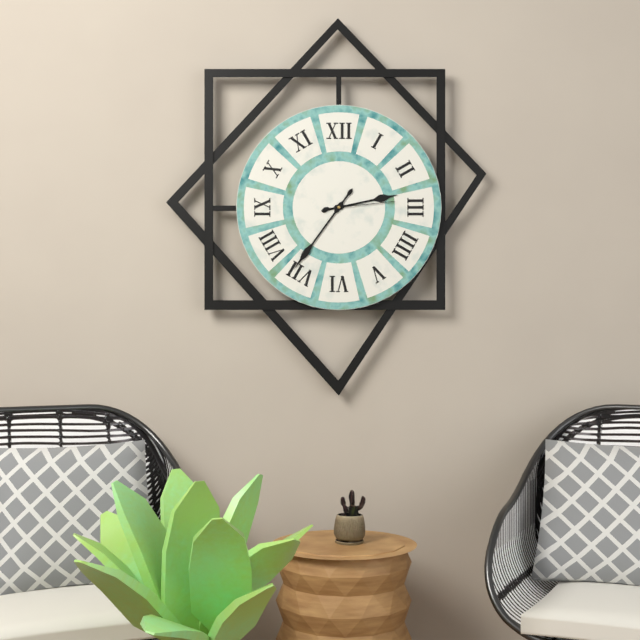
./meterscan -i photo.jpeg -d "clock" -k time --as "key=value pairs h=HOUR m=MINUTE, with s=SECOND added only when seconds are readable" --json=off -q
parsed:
h=2 m=36 s=14
